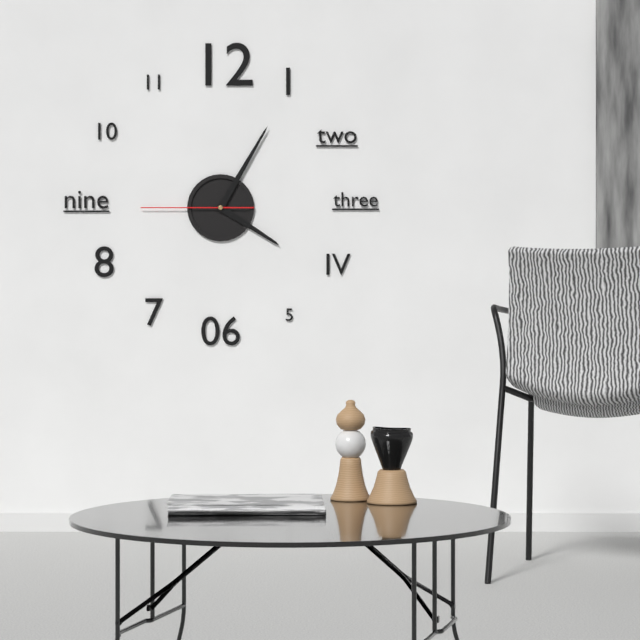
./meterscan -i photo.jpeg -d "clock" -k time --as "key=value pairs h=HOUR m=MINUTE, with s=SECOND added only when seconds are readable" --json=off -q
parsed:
h=4 m=5 s=45
